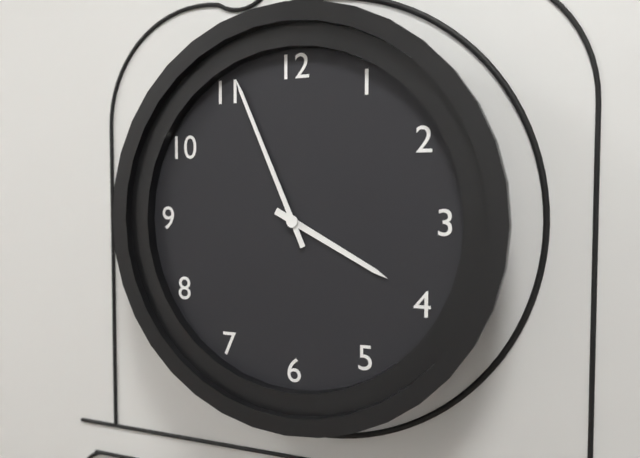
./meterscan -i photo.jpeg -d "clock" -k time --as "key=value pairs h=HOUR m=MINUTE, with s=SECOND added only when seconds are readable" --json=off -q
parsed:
h=3 m=56
